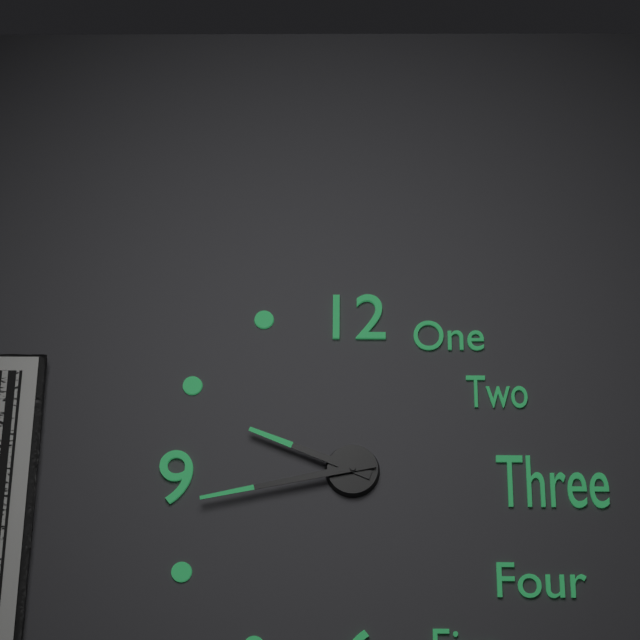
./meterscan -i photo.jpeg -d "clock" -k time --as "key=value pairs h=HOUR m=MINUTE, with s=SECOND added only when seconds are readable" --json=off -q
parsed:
h=9 m=43
